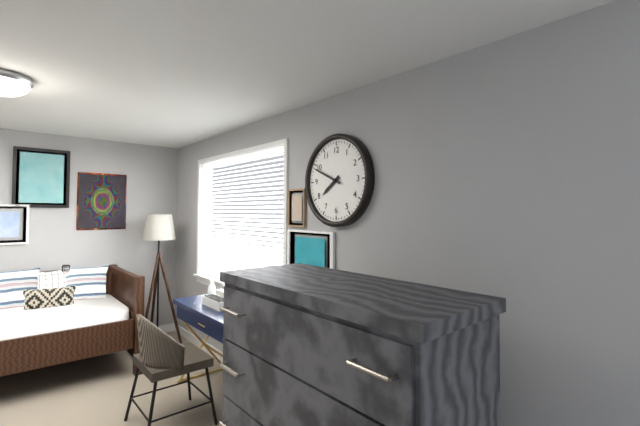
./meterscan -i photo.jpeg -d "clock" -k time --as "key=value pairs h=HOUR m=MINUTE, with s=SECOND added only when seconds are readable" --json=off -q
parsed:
h=7 m=49
